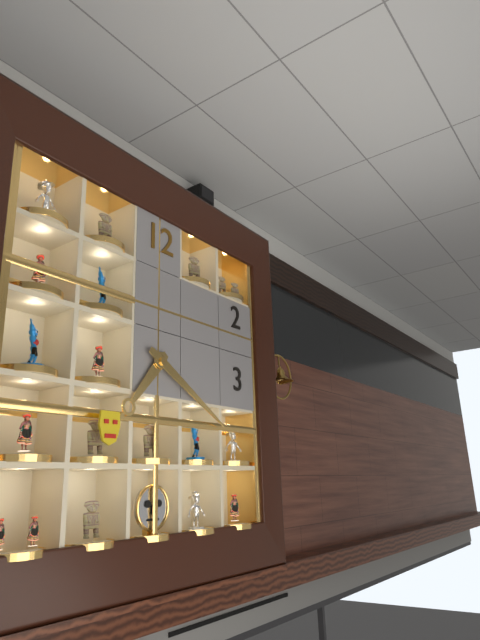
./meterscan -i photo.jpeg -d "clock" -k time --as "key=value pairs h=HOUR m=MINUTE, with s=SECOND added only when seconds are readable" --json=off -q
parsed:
h=7 m=20
